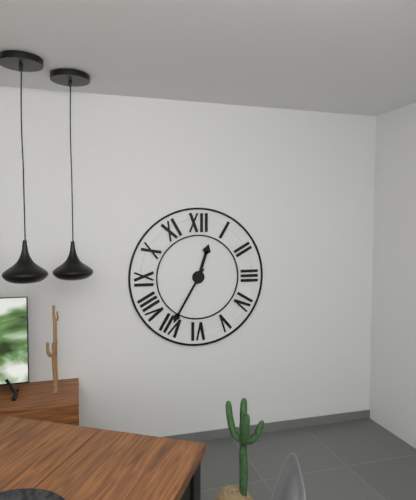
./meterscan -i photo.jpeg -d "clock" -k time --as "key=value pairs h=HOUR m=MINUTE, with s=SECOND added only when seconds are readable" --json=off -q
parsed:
h=12 m=35
